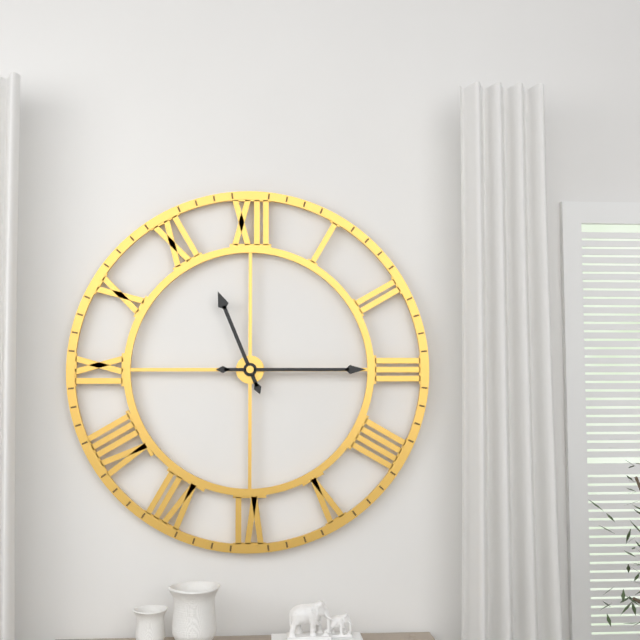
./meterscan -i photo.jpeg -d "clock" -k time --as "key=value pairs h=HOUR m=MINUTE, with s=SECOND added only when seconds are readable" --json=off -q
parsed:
h=11 m=15
